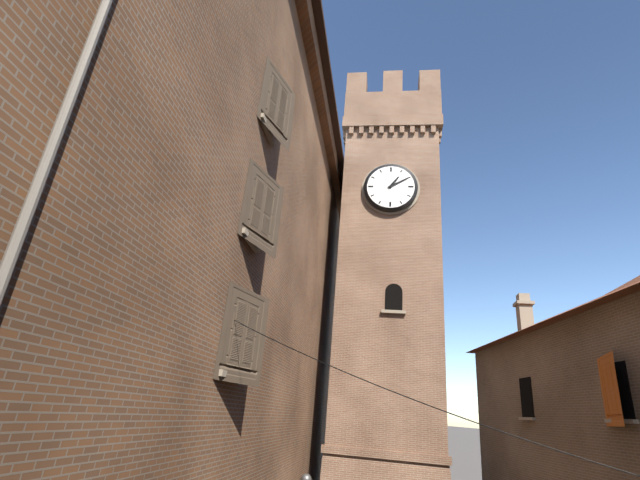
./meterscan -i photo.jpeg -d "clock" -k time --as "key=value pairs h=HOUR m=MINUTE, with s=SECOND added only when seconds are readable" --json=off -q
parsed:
h=1 m=10
